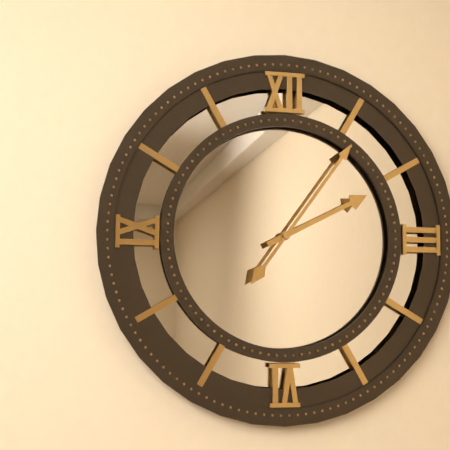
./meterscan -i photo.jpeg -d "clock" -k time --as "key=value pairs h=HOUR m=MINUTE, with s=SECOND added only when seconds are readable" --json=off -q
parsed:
h=2 m=6
